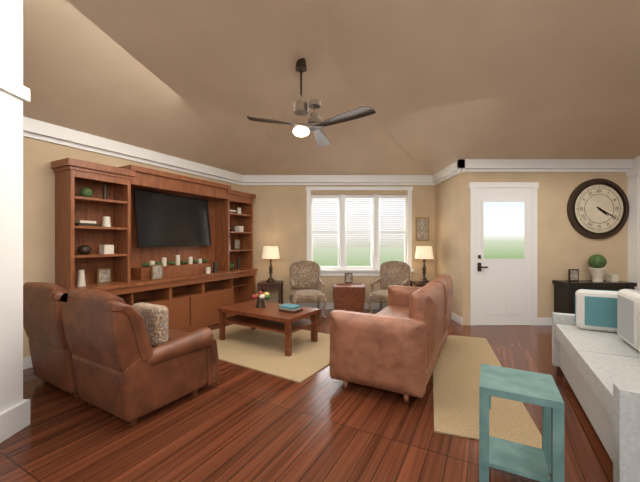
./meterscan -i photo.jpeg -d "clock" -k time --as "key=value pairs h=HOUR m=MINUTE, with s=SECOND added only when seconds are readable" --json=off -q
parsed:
h=4 m=20
